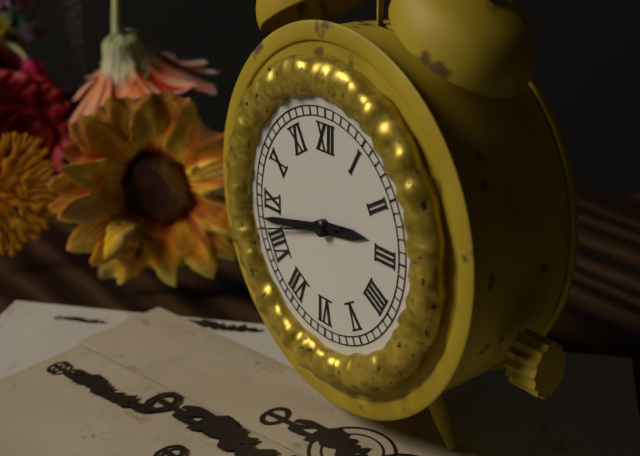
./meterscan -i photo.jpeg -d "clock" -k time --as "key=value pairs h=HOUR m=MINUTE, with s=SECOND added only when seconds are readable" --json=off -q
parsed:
h=2 m=43 s=42
